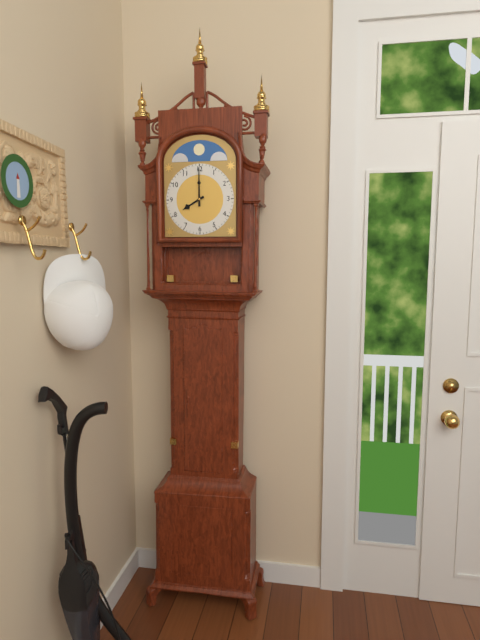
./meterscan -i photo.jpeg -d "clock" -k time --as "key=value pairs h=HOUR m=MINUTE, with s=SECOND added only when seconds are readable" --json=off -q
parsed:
h=8 m=0
